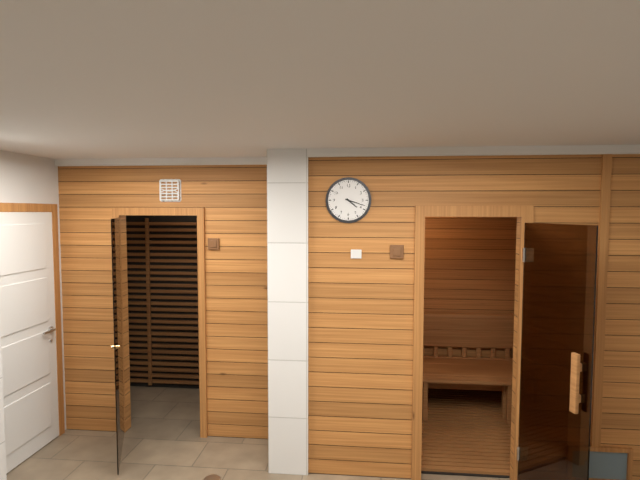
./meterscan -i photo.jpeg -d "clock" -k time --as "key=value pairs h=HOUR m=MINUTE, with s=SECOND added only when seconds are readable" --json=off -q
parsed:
h=4 m=18
